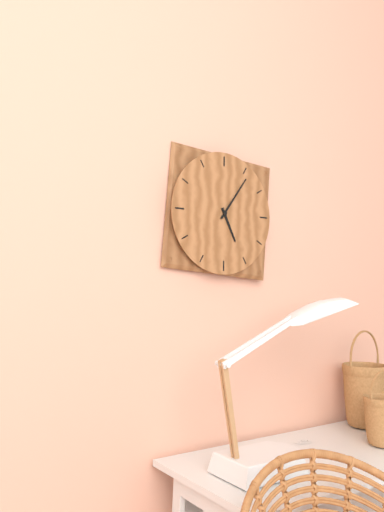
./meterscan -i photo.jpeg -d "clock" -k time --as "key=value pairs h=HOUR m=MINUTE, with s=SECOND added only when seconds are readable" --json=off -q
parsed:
h=5 m=6
